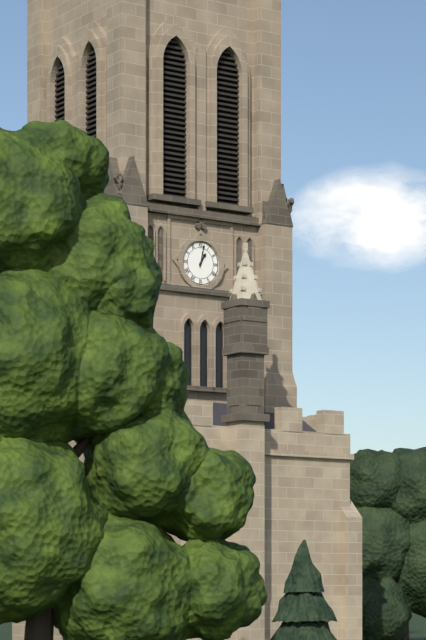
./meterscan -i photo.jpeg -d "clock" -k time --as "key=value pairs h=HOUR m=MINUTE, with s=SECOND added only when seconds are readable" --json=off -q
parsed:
h=1 m=2
